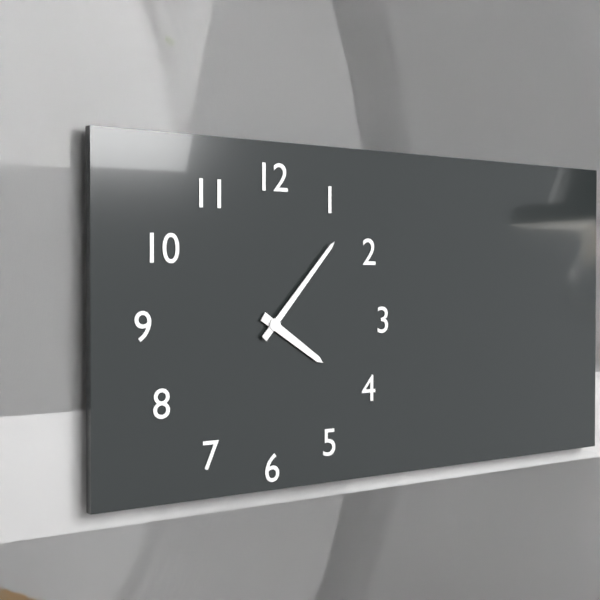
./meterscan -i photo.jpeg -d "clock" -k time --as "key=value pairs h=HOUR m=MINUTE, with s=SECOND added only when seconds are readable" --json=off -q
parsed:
h=4 m=7
